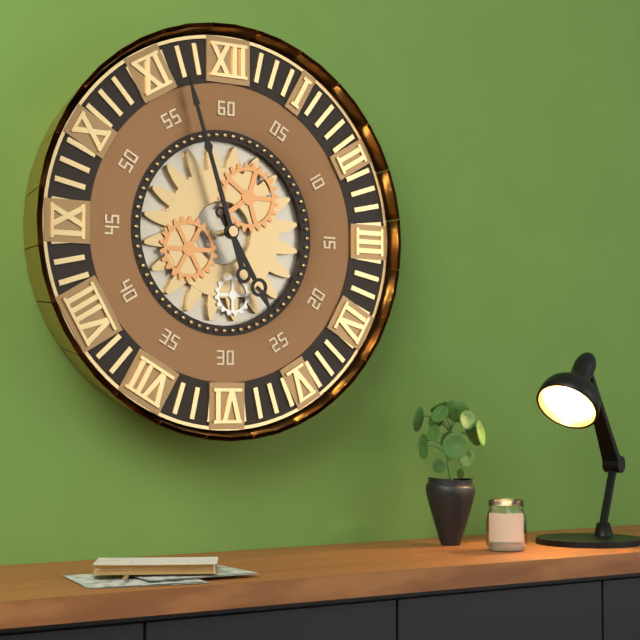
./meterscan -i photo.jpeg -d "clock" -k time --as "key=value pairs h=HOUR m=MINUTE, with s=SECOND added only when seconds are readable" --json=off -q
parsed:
h=4 m=57
